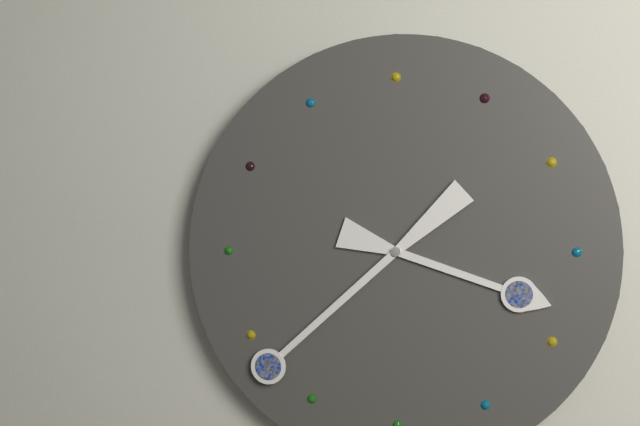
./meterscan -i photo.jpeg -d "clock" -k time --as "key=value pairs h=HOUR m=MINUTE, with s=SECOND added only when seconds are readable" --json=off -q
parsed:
h=3 m=38
